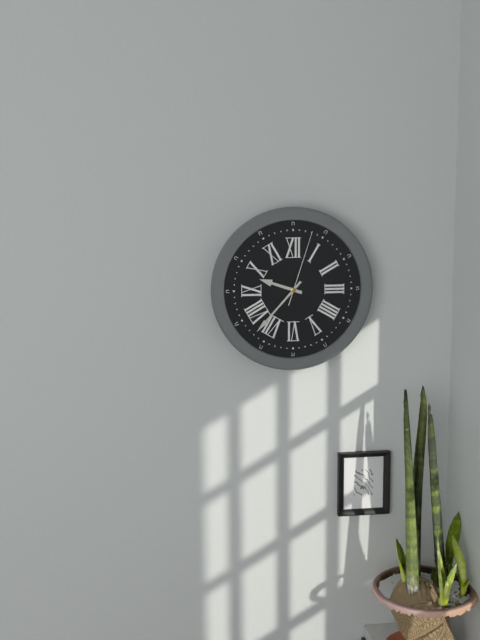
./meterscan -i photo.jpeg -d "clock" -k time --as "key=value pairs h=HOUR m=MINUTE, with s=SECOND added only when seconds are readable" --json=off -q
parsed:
h=9 m=37 s=3
